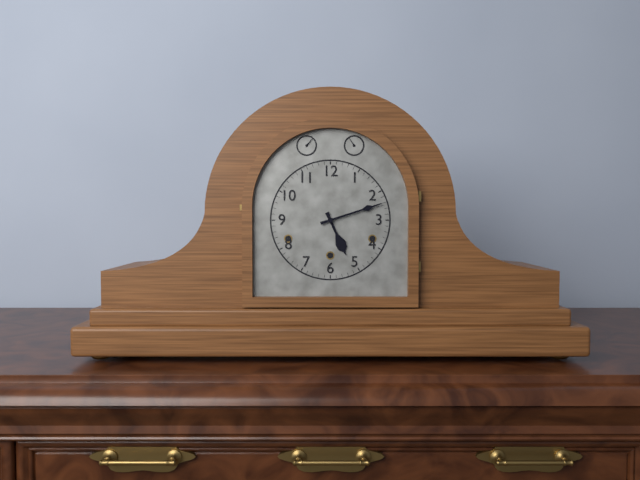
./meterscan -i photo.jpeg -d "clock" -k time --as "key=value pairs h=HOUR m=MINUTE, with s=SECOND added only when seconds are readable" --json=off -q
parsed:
h=5 m=12
